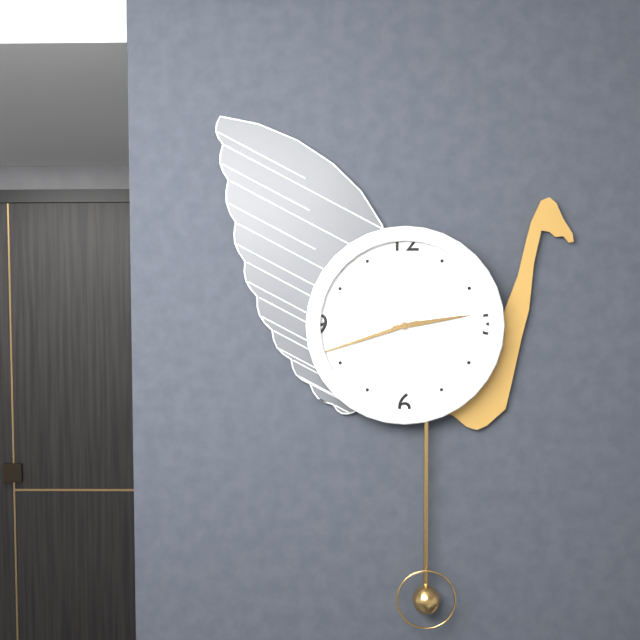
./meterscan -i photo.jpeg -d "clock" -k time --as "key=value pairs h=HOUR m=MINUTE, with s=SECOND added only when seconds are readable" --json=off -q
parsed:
h=2 m=42
